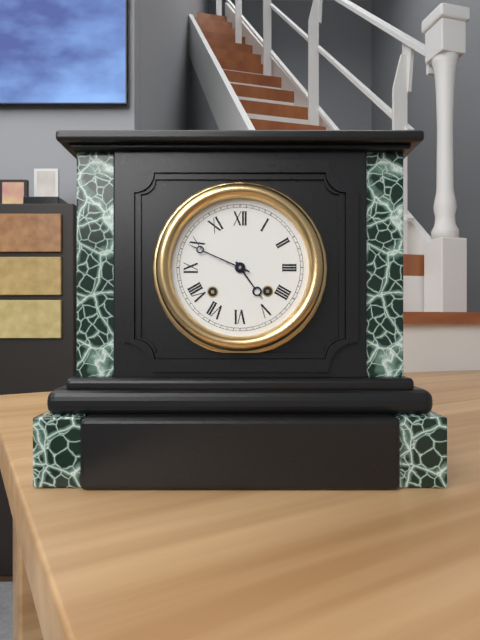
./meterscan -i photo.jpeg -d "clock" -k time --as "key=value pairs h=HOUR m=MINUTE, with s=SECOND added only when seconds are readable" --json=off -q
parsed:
h=4 m=49
